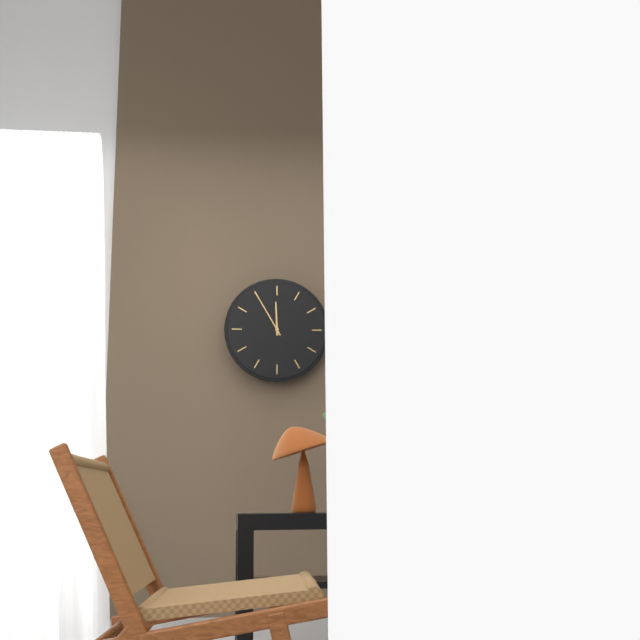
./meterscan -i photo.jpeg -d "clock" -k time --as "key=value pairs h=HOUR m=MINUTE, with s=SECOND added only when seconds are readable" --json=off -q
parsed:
h=11 m=55
